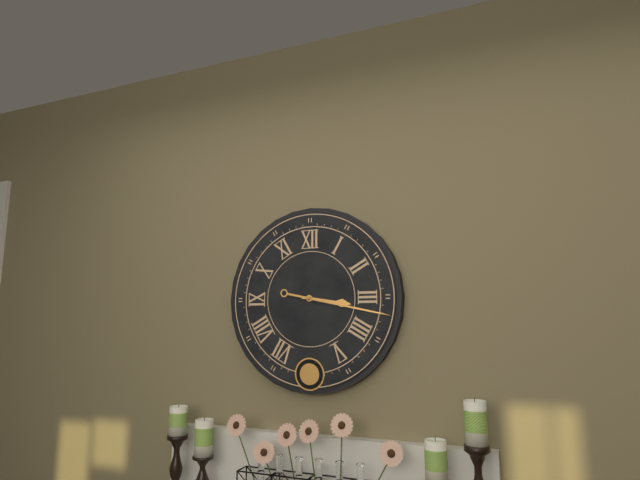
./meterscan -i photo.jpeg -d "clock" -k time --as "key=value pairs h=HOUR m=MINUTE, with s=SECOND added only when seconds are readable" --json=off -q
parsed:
h=3 m=17
